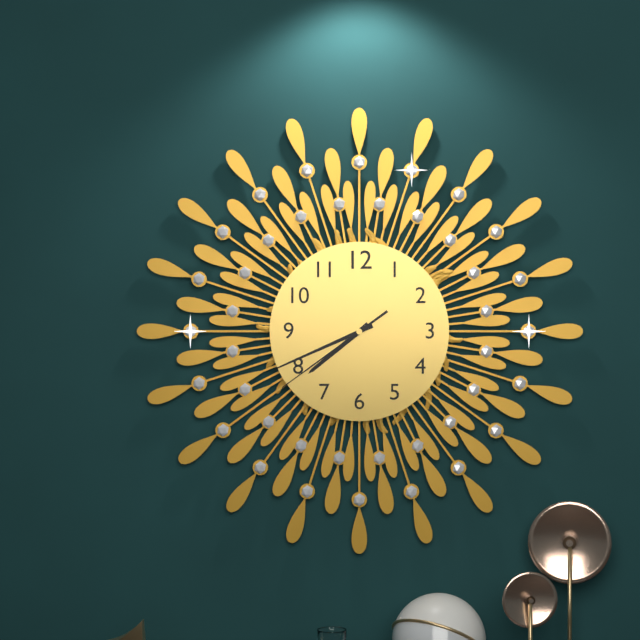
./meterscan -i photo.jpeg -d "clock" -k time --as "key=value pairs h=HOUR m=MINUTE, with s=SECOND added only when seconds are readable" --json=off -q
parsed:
h=7 m=41 s=39
